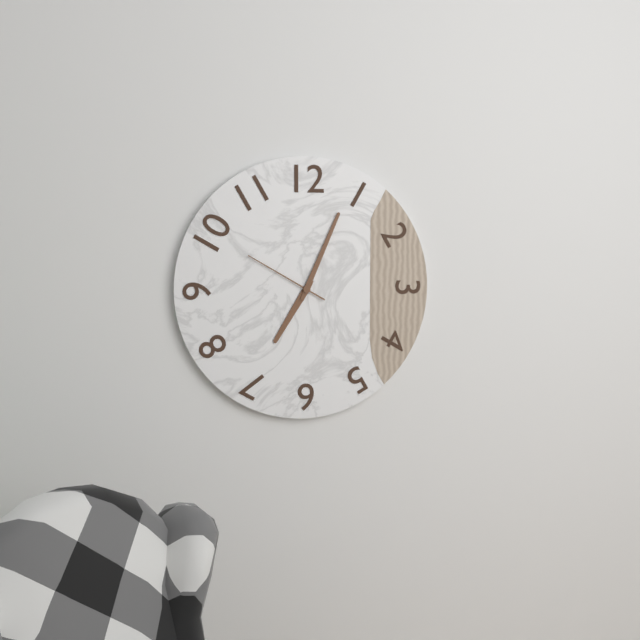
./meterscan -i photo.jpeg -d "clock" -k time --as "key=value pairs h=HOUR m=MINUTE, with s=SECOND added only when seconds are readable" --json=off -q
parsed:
h=7 m=4 s=50
